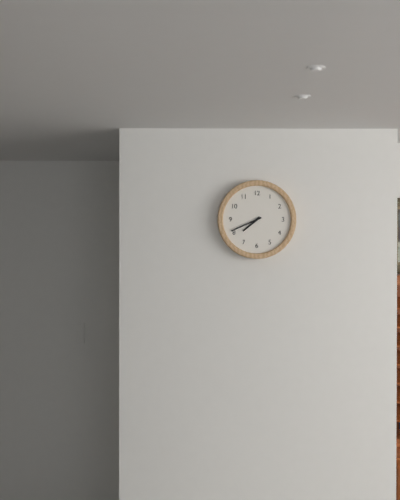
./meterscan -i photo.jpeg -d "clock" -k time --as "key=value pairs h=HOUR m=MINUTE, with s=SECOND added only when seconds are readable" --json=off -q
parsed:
h=7 m=41
